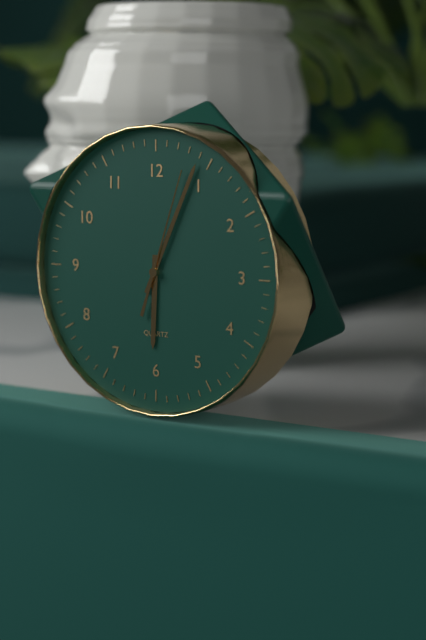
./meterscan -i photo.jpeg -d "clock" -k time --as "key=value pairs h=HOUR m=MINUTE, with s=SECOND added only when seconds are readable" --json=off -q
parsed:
h=6 m=4 s=3
